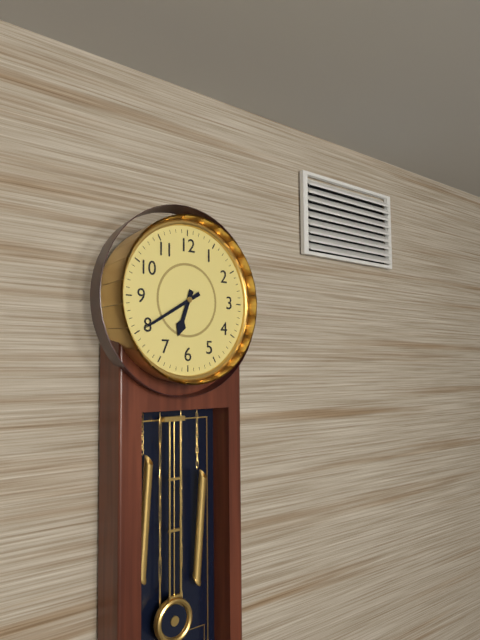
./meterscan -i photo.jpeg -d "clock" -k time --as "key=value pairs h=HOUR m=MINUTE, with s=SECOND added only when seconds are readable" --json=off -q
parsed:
h=6 m=40
